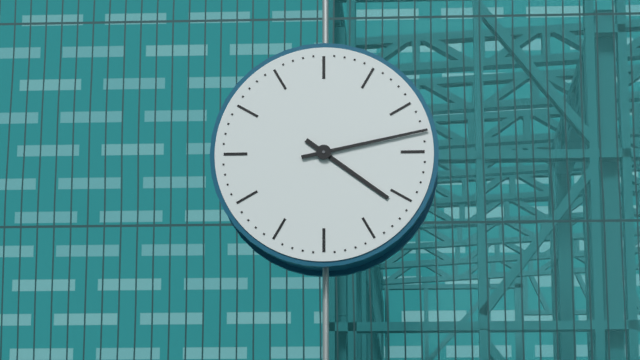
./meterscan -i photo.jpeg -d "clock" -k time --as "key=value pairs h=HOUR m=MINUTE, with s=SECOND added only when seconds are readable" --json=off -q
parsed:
h=4 m=13
